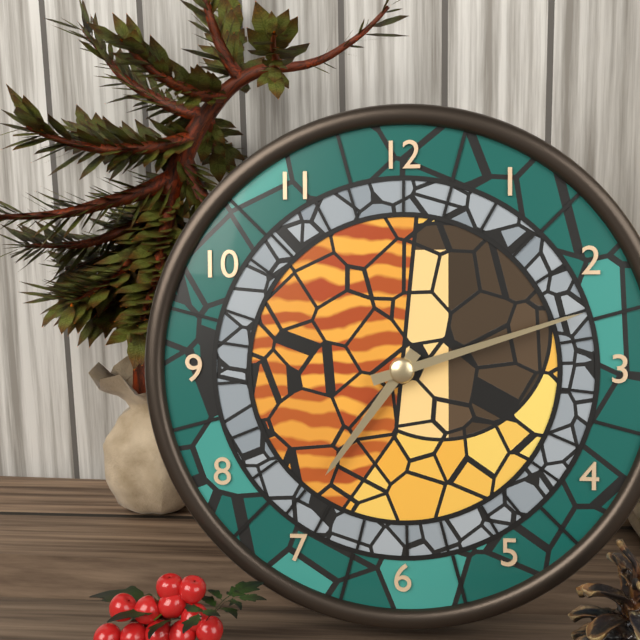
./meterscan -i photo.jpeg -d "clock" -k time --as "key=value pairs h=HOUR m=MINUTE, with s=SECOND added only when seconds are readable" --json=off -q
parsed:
h=7 m=12
